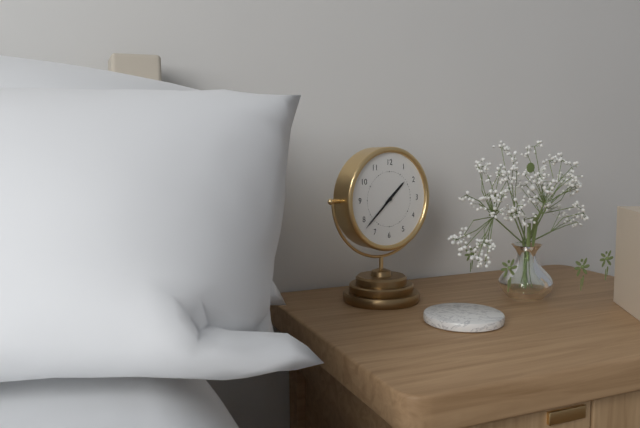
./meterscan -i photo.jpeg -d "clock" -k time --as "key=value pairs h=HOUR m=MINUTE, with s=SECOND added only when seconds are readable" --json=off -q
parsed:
h=1 m=38
